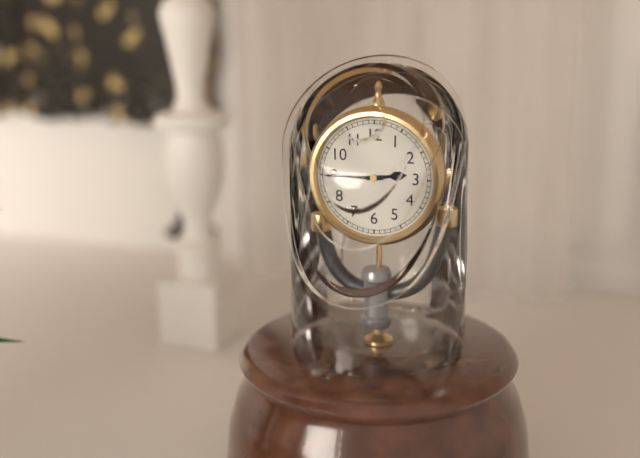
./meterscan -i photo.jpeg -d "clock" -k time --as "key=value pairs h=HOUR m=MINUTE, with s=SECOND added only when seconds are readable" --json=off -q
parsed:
h=2 m=45
